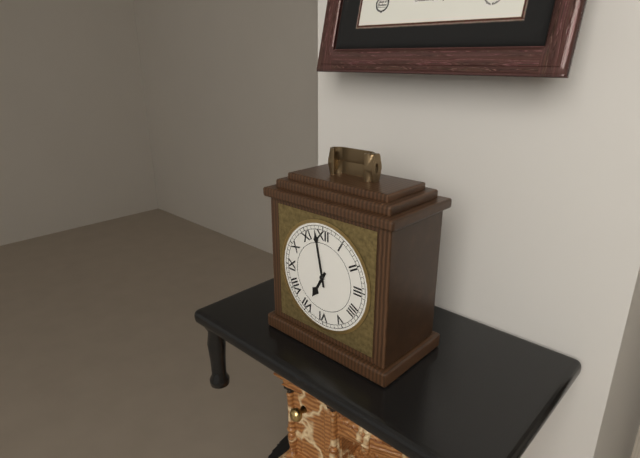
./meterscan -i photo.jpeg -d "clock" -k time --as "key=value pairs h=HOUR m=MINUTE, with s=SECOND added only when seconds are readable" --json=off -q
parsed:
h=6 m=58
